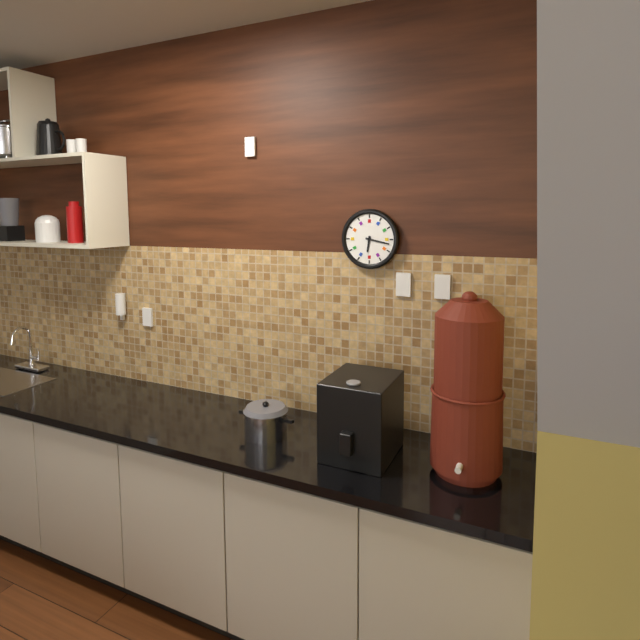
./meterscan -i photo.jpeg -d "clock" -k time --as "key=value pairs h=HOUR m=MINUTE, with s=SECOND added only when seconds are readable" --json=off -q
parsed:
h=6 m=17
